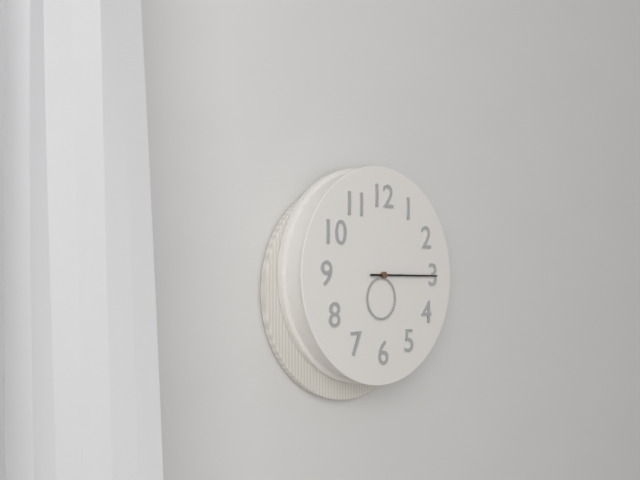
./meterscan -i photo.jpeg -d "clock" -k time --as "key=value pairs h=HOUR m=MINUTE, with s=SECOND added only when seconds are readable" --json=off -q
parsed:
h=6 m=15
